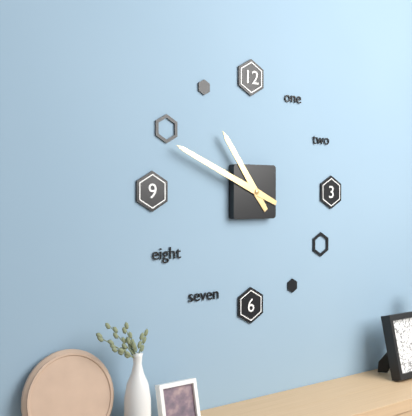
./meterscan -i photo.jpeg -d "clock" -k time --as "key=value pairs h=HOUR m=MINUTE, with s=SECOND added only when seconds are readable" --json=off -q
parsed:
h=10 m=49
